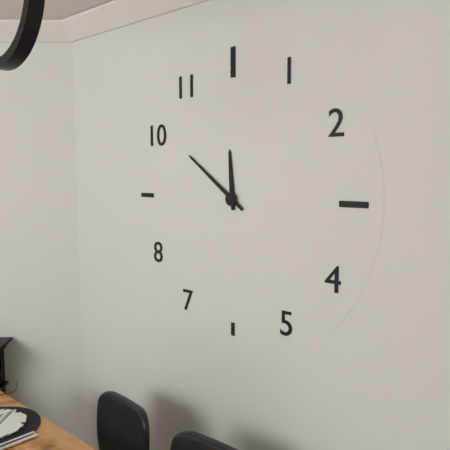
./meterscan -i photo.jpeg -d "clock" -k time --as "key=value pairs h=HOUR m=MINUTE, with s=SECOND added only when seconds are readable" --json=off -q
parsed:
h=11 m=51
